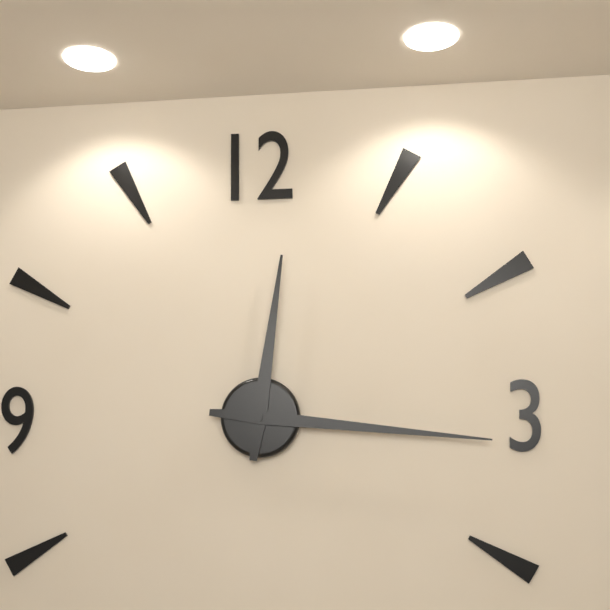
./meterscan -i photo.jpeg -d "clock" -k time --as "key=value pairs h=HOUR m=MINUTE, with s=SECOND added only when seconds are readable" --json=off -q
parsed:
h=12 m=16
